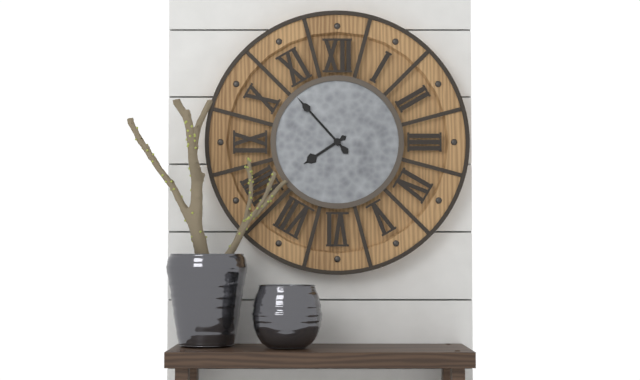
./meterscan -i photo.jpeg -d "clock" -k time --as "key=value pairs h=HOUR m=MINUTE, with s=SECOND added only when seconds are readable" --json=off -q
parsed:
h=7 m=53
